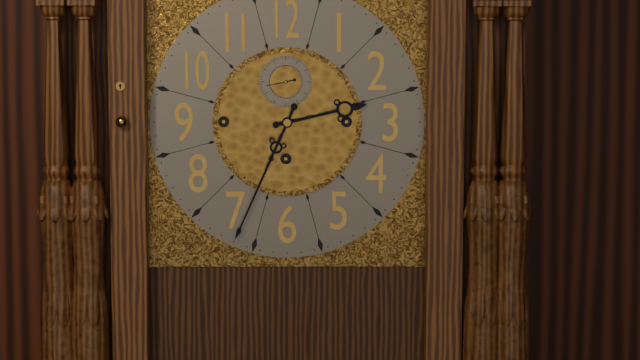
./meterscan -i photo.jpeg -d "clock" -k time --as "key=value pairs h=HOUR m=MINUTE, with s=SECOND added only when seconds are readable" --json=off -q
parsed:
h=2 m=34
